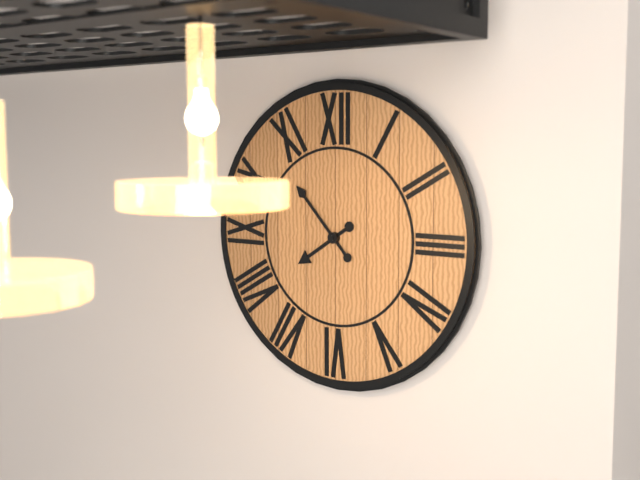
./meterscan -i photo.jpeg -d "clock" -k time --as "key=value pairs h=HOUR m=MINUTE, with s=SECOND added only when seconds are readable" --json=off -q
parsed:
h=7 m=53
